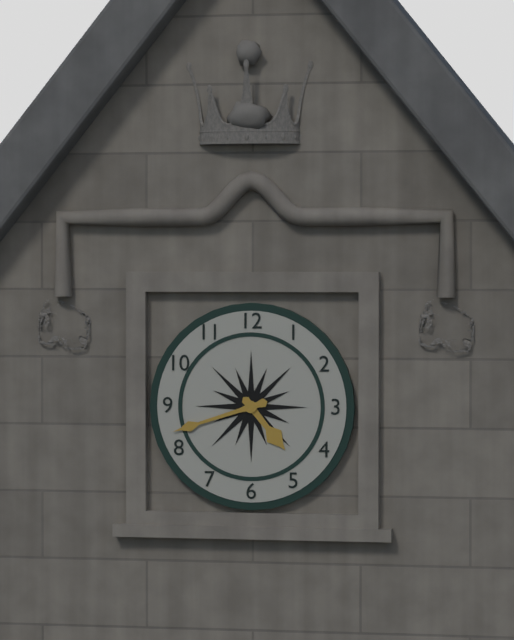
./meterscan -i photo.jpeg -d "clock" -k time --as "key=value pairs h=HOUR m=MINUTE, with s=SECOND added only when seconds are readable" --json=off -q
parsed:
h=4 m=42
